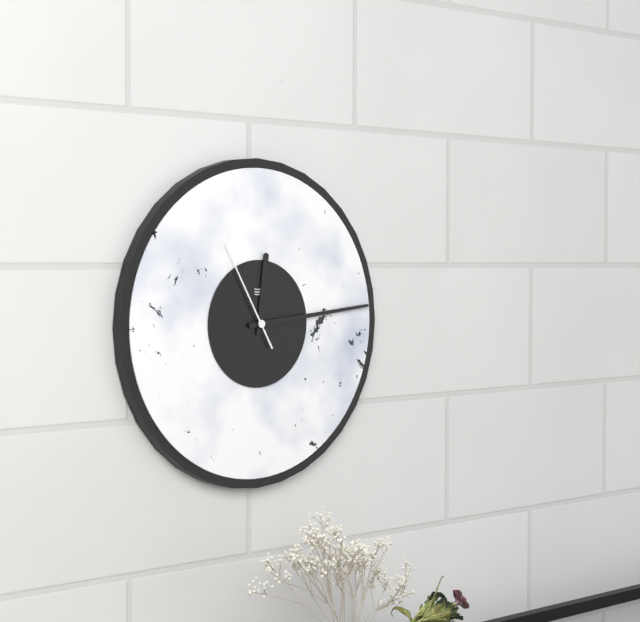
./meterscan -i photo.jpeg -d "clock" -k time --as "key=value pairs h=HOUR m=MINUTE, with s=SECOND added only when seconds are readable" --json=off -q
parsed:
h=12 m=14 s=55
